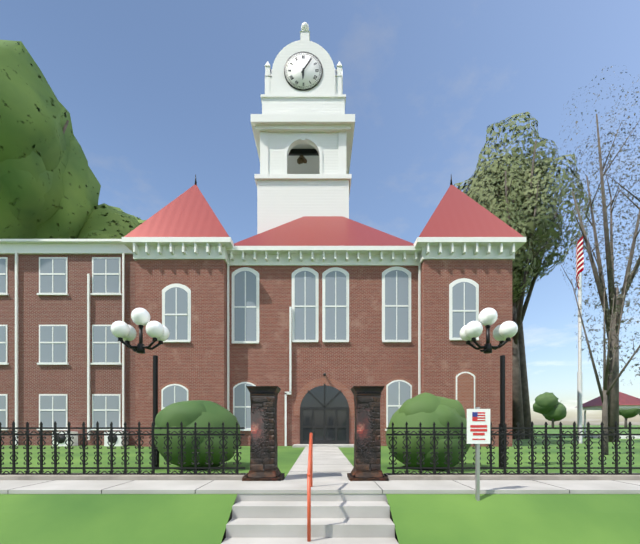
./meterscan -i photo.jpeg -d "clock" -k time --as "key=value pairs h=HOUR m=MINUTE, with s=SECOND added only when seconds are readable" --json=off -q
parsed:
h=6 m=6
